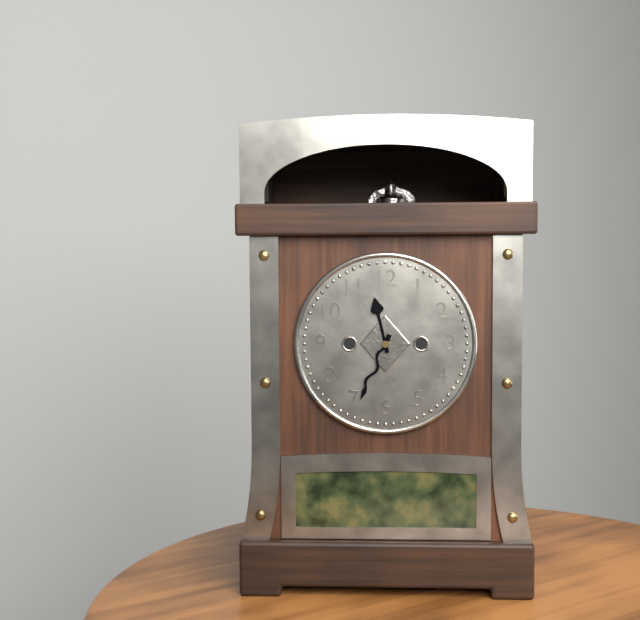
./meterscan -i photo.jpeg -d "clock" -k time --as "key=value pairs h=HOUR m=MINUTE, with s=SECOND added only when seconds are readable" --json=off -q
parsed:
h=11 m=34
